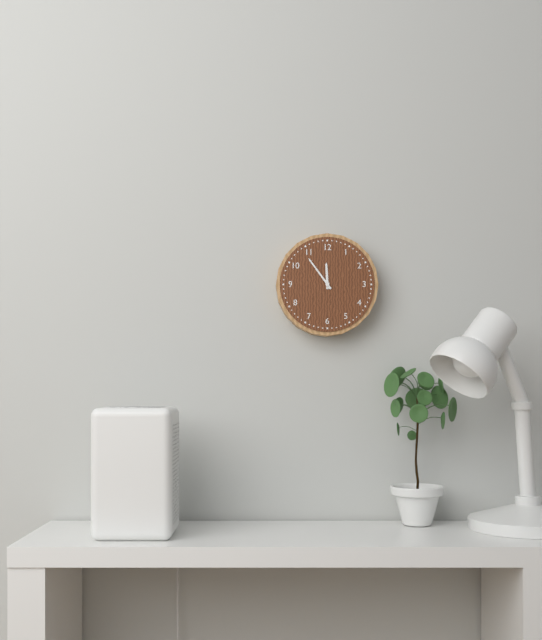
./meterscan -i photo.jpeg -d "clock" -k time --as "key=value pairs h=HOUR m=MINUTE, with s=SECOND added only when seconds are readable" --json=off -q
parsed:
h=11 m=54
